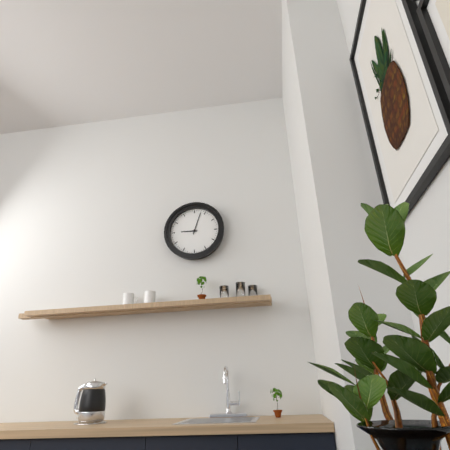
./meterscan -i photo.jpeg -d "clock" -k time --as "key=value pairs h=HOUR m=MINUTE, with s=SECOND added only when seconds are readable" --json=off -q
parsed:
h=9 m=3
